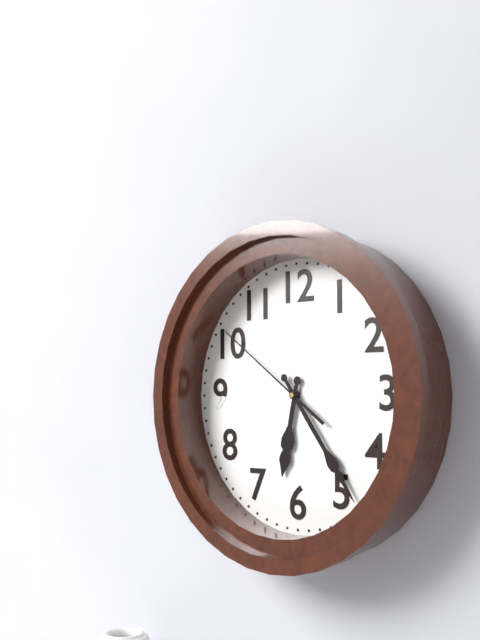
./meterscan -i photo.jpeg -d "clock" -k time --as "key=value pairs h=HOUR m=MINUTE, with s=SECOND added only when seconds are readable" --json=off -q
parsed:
h=6 m=24 s=51
